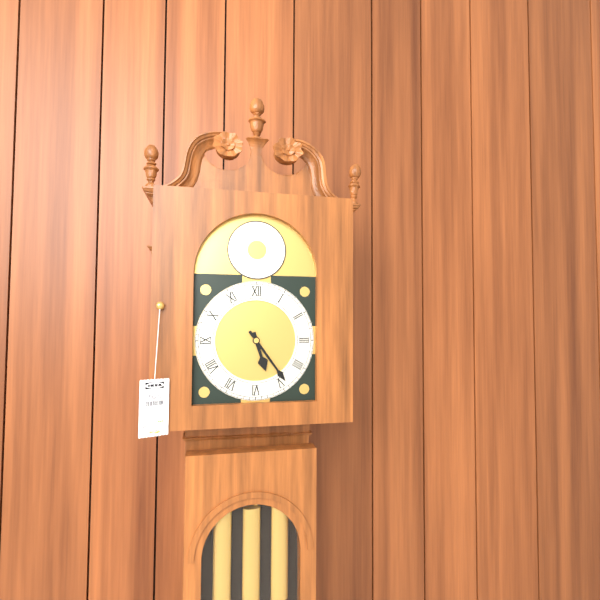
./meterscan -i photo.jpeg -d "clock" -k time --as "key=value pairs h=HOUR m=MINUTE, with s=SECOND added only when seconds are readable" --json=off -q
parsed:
h=5 m=24
